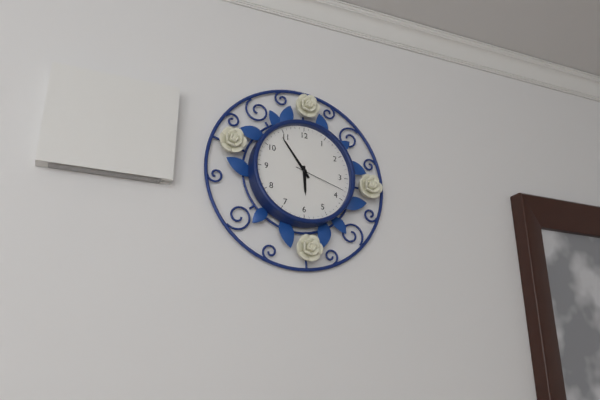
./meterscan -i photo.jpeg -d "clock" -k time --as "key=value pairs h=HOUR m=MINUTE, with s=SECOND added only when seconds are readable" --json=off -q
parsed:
h=5 m=54 s=18
